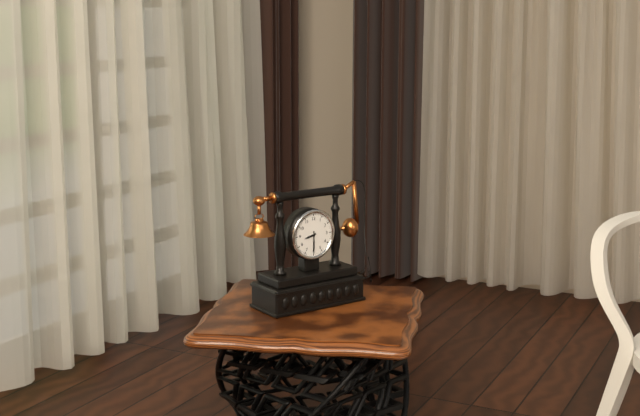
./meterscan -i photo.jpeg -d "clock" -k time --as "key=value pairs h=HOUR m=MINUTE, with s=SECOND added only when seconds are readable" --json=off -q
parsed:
h=8 m=30
